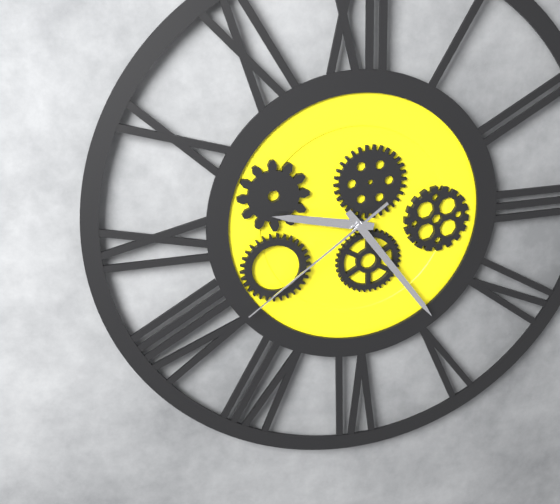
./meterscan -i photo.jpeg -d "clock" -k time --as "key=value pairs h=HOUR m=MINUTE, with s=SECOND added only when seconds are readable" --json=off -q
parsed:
h=9 m=24 s=39
